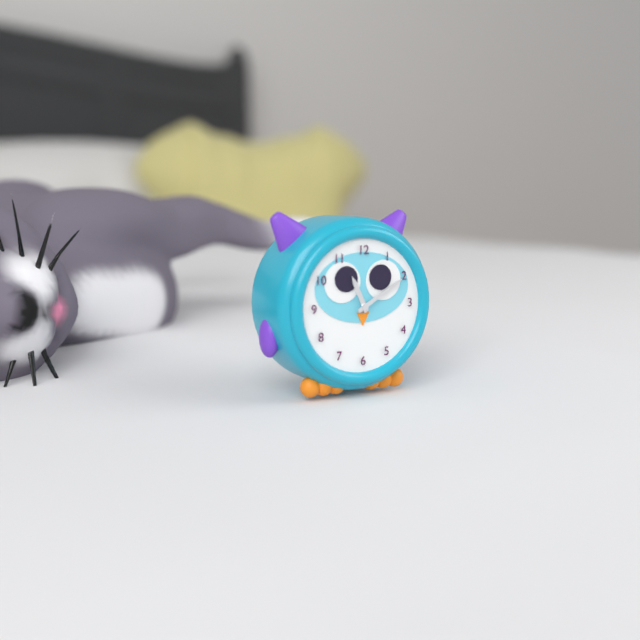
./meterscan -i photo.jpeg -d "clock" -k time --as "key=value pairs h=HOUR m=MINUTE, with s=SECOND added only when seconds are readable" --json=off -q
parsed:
h=11 m=10
